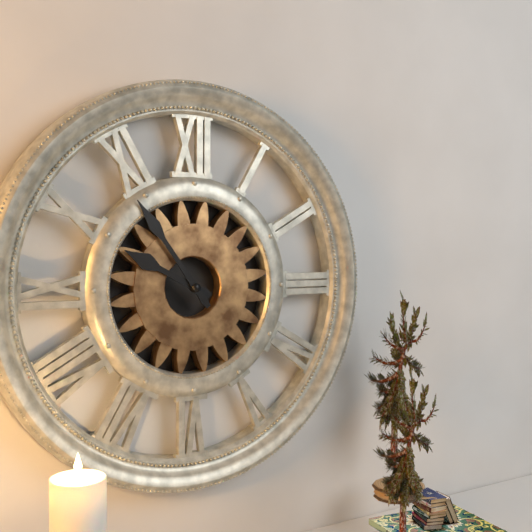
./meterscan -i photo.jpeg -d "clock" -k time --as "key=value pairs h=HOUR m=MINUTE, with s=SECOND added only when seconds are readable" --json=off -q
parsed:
h=9 m=54
